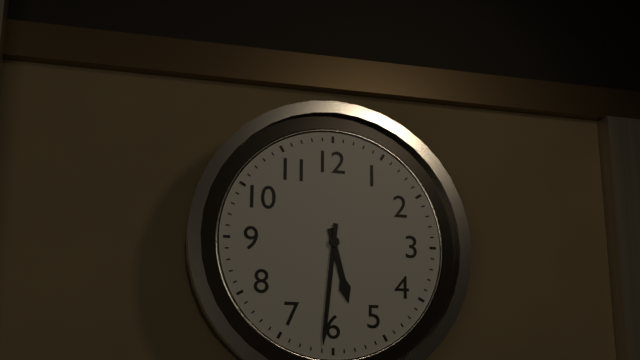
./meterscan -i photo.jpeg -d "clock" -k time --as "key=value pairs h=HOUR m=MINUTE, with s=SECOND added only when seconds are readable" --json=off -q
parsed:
h=5 m=31
